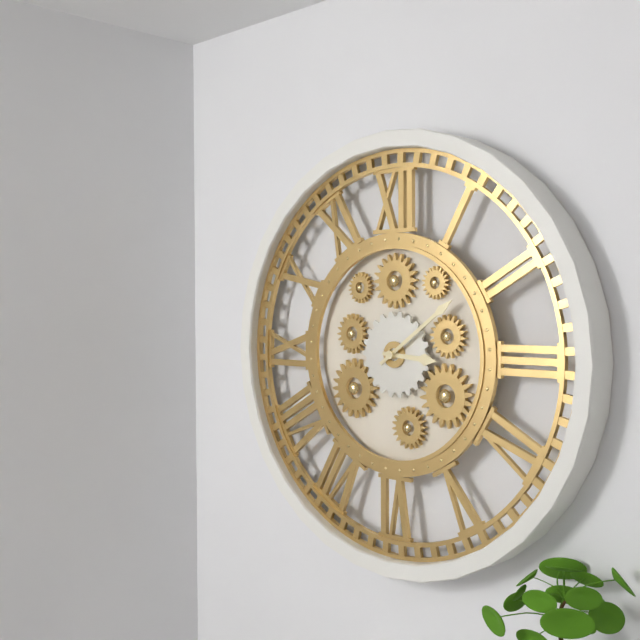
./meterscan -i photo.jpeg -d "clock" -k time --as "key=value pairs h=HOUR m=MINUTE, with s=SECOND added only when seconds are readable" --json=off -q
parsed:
h=3 m=9
